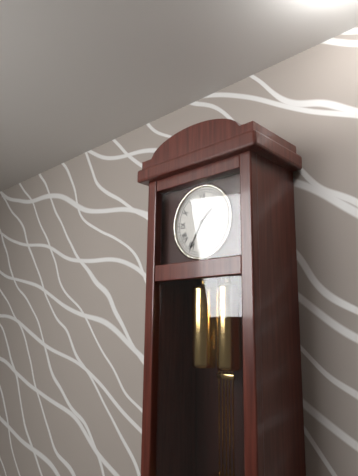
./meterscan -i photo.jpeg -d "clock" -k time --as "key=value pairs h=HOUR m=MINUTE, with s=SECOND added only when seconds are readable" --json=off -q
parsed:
h=1 m=35
